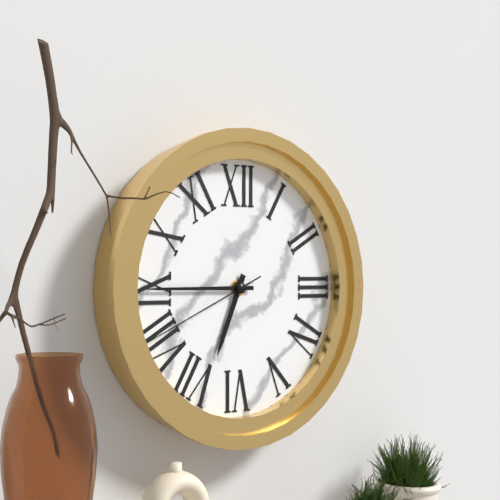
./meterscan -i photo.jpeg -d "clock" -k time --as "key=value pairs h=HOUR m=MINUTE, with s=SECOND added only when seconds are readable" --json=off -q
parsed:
h=6 m=45 s=41
